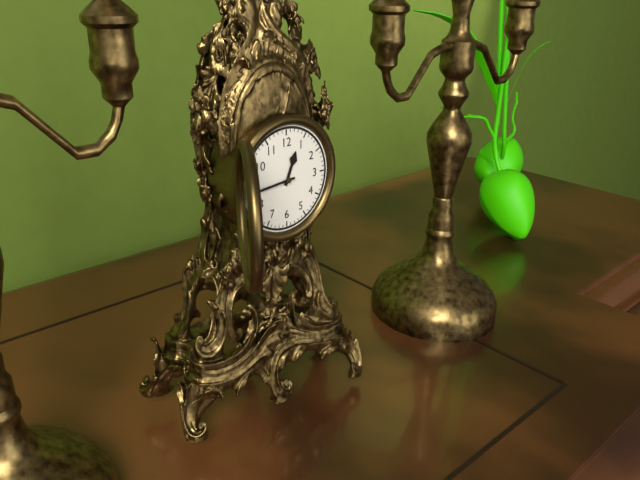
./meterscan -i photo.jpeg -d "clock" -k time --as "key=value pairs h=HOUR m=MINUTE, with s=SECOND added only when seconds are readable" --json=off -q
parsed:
h=12 m=44
